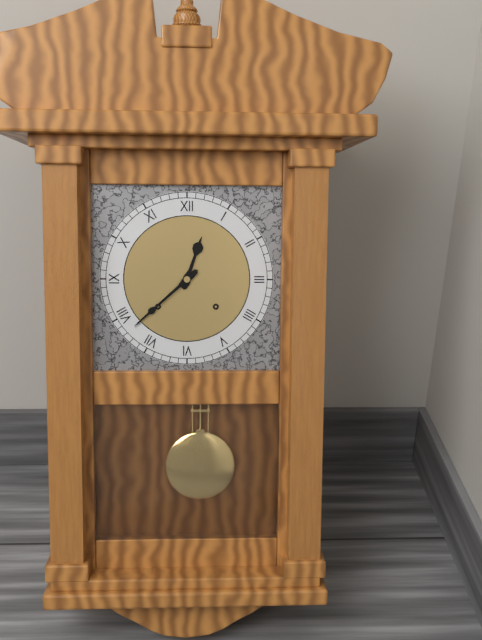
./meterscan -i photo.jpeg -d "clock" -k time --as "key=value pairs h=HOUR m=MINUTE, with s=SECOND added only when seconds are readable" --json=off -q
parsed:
h=12 m=38
